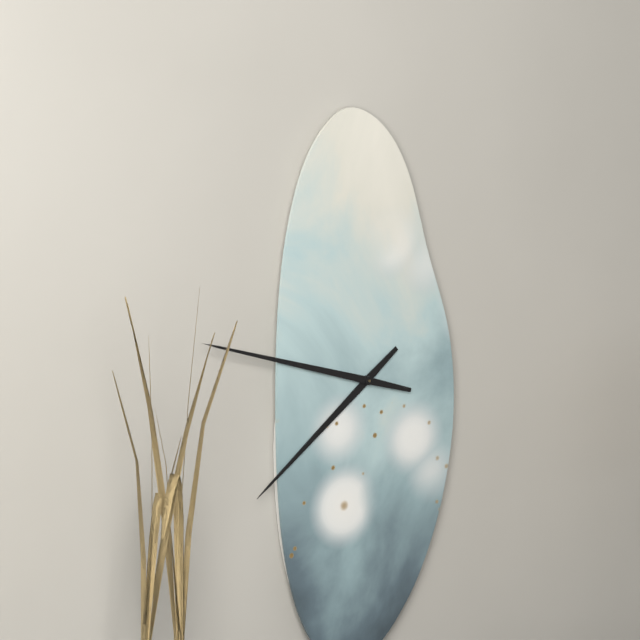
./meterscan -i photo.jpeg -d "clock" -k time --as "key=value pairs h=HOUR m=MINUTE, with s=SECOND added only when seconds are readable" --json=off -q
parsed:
h=7 m=48
